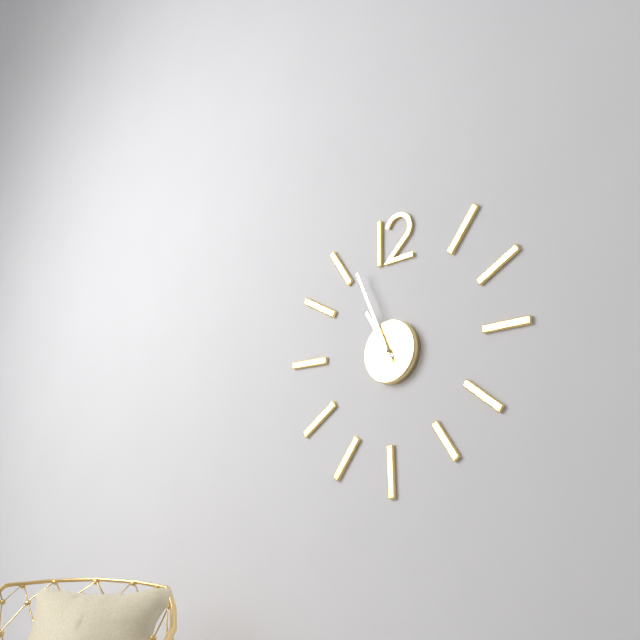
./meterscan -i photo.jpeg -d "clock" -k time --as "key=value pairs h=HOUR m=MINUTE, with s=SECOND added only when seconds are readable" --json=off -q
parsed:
h=10 m=56
